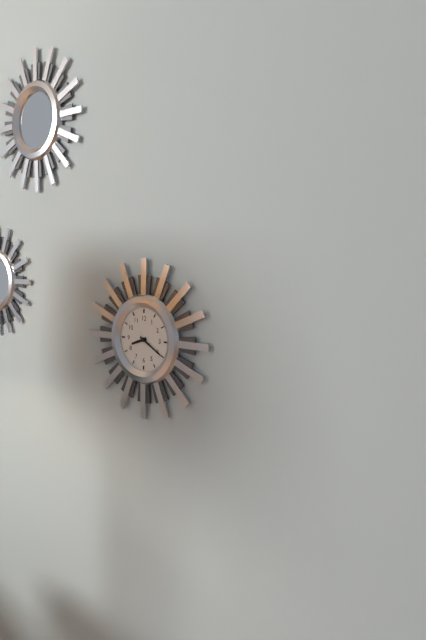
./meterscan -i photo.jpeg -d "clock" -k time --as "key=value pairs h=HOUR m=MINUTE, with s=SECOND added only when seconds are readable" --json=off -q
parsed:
h=8 m=20
